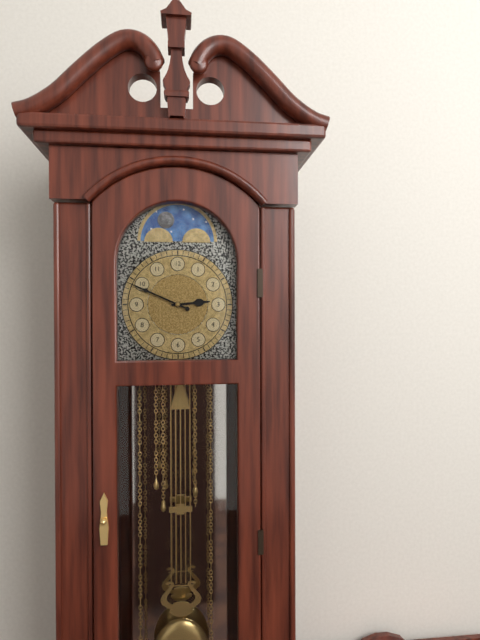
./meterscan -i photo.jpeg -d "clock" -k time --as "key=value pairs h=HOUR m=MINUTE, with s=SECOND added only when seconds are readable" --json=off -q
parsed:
h=2 m=49
